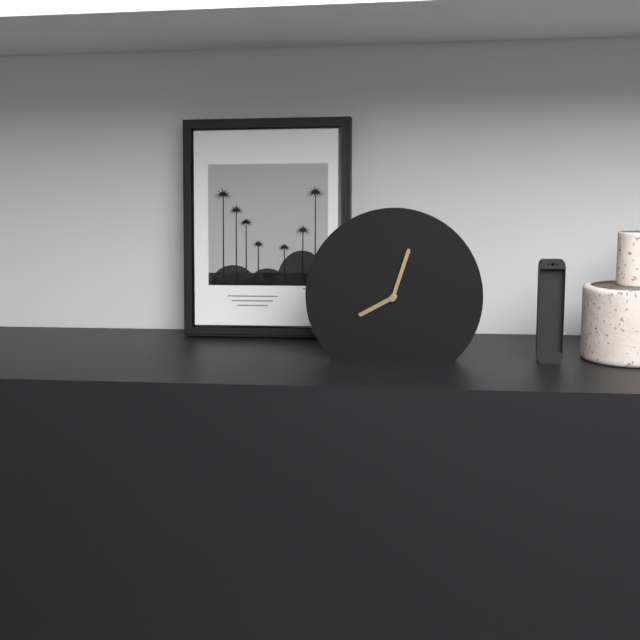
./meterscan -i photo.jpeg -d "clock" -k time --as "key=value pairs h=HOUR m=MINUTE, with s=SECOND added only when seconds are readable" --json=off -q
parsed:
h=8 m=3
